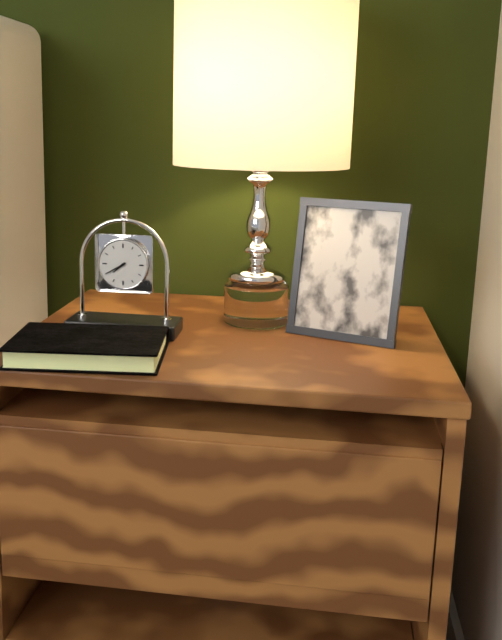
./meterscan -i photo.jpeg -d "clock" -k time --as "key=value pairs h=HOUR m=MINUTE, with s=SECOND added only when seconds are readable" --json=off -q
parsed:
h=7 m=40
